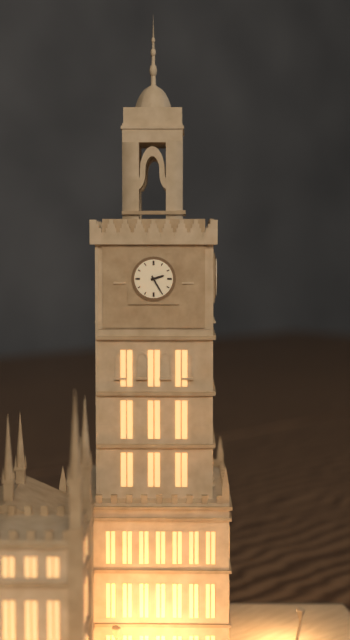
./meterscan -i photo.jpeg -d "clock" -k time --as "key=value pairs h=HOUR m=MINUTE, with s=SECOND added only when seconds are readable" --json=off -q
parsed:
h=2 m=25
